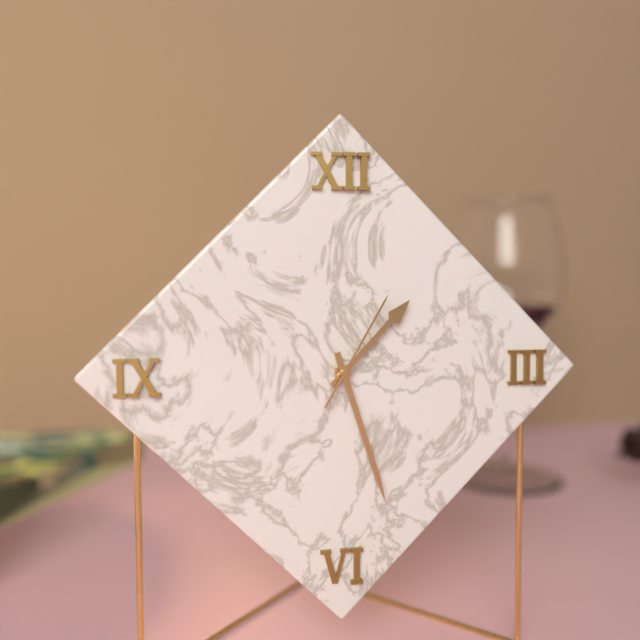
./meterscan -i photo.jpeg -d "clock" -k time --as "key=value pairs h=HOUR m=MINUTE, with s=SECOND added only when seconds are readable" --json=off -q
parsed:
h=1 m=27 s=5
